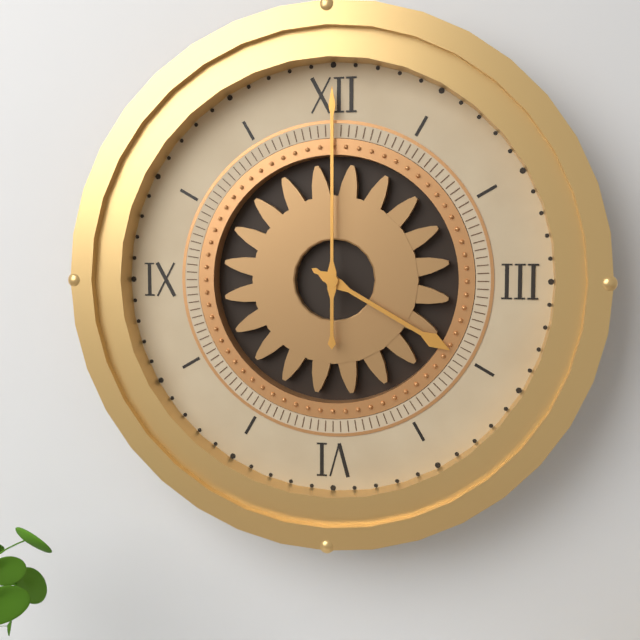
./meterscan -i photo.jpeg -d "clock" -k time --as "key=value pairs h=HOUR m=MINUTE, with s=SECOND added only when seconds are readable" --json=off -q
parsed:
h=4 m=0
